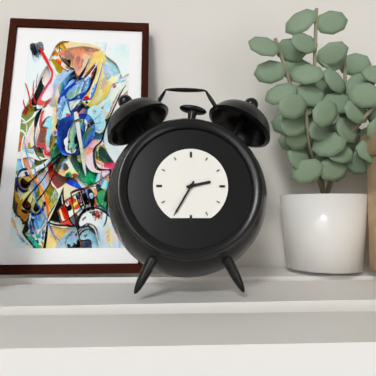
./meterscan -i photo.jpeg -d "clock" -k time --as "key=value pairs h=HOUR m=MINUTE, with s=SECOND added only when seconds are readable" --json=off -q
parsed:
h=2 m=35
